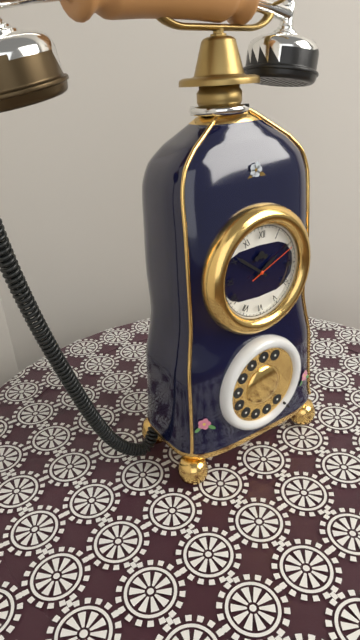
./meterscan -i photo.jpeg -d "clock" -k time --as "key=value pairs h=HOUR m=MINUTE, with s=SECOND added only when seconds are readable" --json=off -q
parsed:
h=1 m=51 s=11
